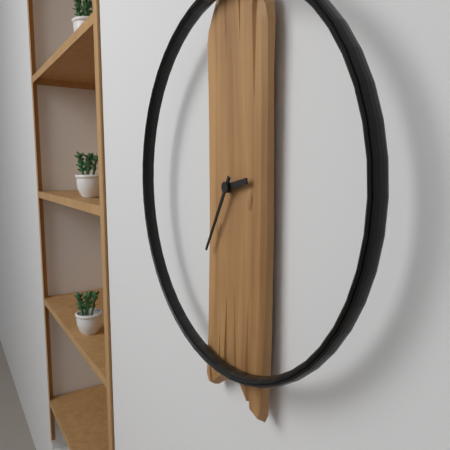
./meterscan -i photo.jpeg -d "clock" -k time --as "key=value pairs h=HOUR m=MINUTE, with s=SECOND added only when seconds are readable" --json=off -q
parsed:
h=2 m=35
